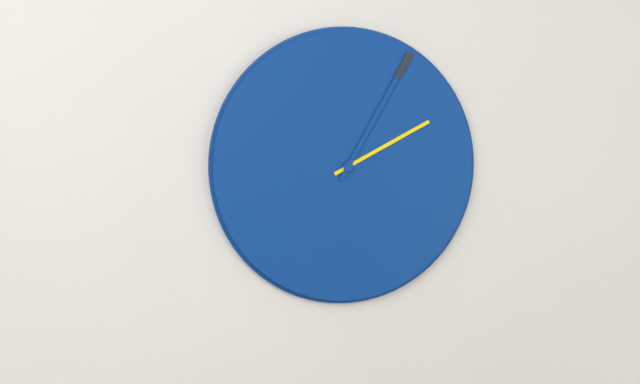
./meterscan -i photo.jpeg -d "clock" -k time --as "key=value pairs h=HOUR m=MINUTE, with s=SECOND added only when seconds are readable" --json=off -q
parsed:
h=2 m=5
